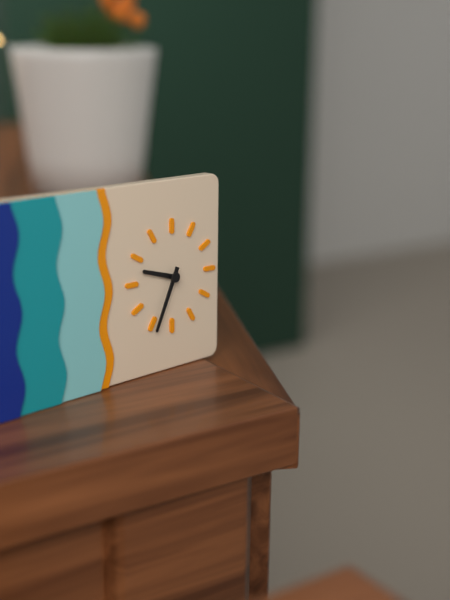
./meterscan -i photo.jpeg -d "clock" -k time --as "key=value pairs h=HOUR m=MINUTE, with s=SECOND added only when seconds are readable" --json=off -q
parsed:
h=9 m=34
